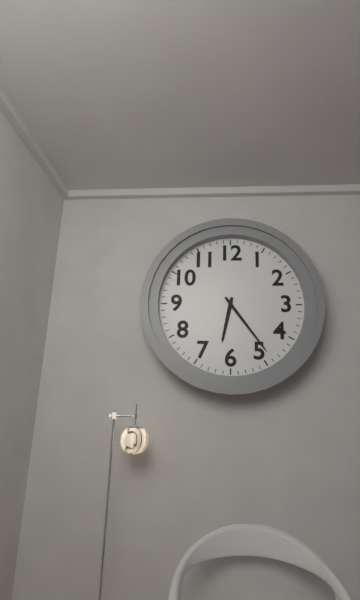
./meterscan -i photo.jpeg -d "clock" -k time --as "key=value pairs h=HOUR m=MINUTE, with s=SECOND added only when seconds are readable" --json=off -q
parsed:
h=6 m=24
